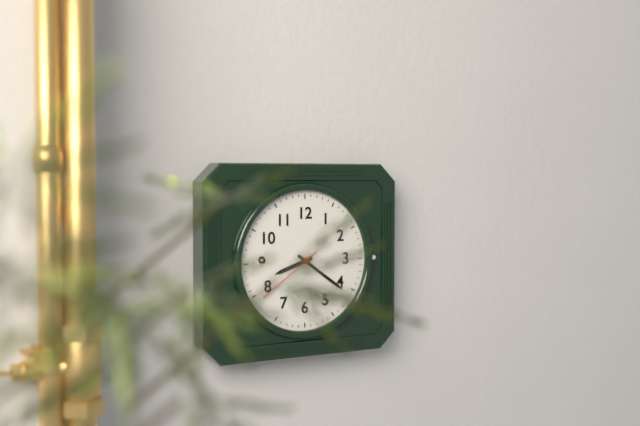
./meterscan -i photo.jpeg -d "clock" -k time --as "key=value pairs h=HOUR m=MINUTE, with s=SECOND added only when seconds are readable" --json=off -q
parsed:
h=8 m=21 s=39
